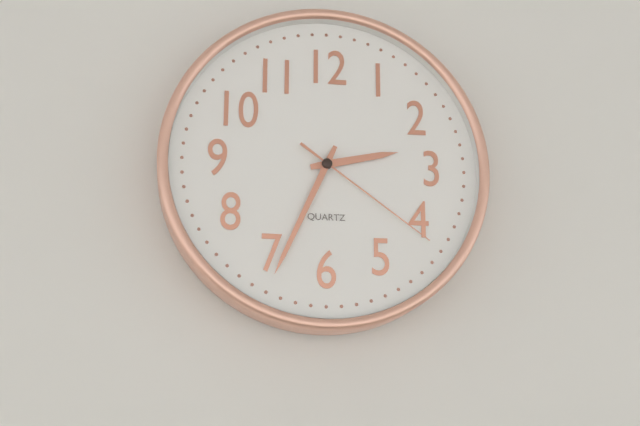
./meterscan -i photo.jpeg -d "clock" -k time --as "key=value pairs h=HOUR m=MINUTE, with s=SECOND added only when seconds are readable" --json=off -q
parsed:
h=2 m=34 s=21
